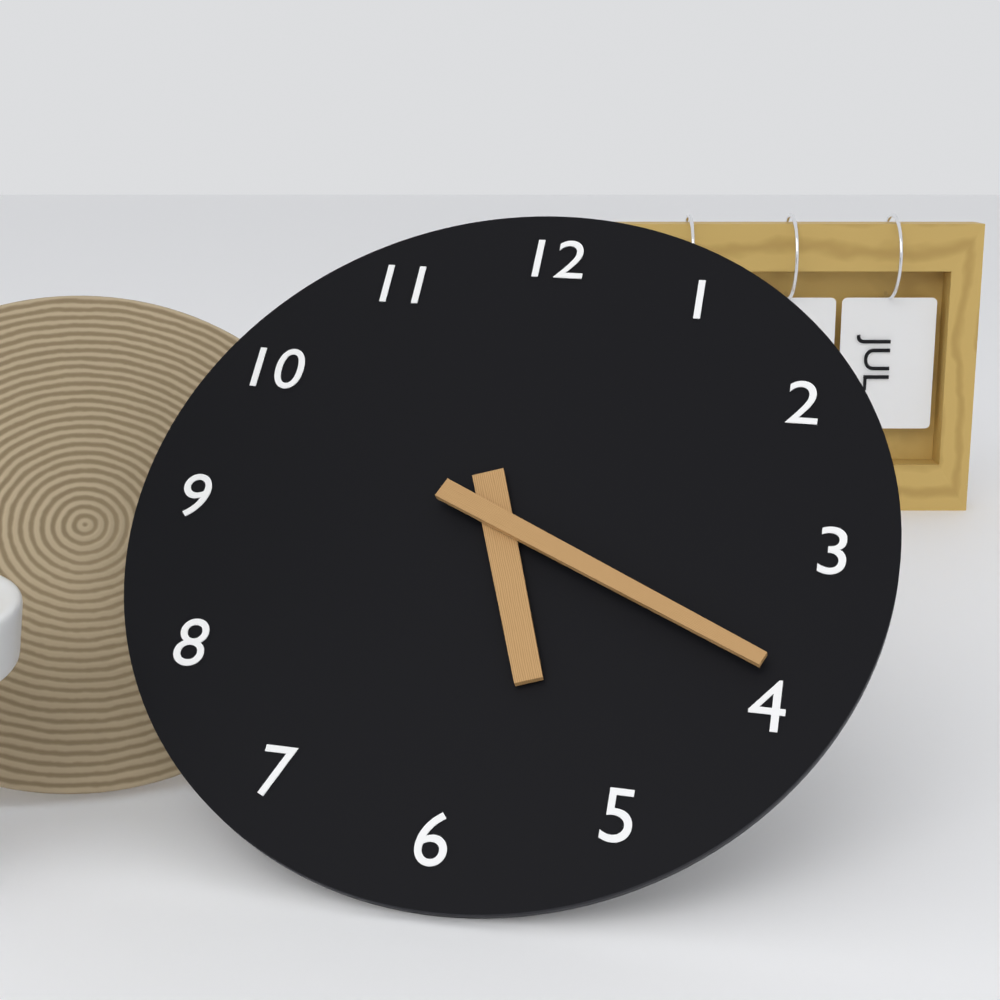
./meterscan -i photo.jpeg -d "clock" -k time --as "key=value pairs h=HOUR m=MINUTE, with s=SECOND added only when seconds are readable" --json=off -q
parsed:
h=5 m=19
